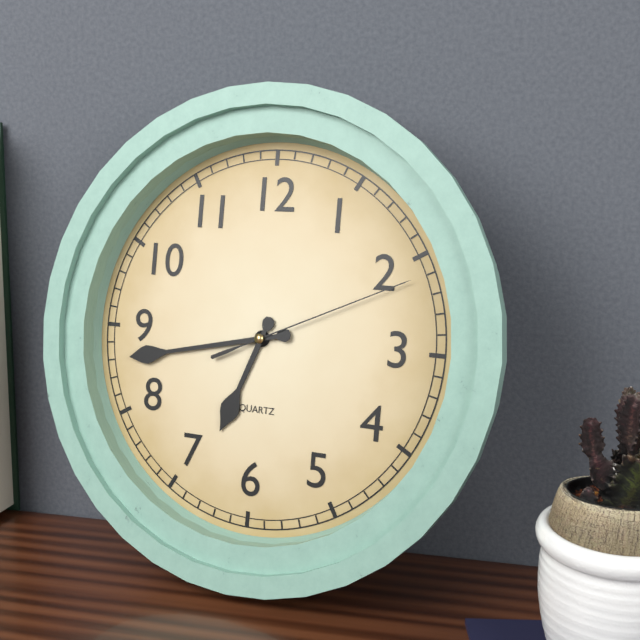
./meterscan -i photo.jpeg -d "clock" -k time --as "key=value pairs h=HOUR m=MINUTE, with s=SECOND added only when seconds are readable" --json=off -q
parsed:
h=6 m=43 s=11
